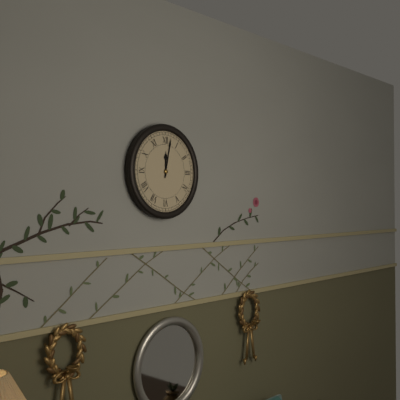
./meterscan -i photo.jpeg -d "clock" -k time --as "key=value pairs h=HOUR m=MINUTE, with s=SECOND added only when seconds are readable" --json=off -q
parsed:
h=12 m=2
